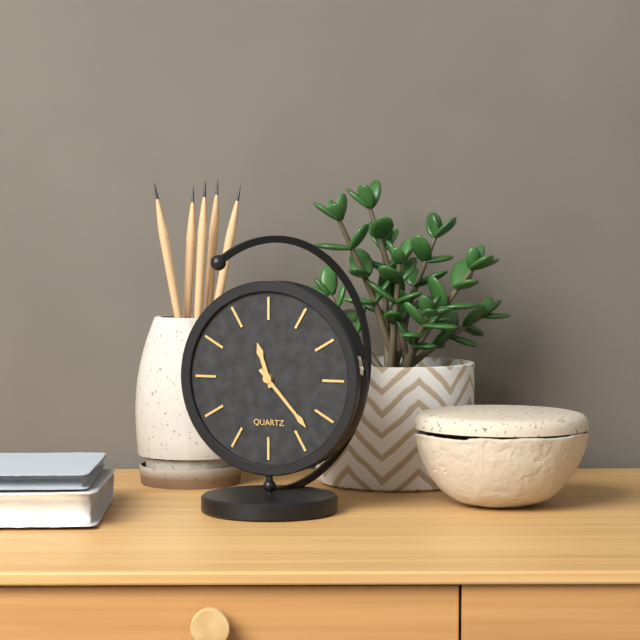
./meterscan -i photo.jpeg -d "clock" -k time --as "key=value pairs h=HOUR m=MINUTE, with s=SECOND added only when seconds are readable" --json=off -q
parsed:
h=11 m=23
